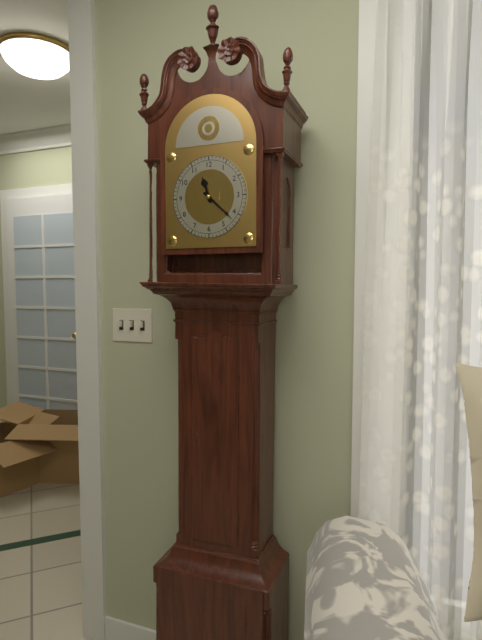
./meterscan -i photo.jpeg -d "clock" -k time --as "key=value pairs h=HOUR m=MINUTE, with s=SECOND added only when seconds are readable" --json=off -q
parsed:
h=11 m=22
